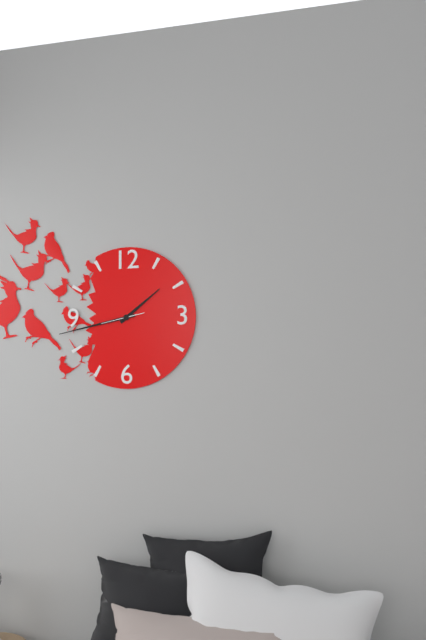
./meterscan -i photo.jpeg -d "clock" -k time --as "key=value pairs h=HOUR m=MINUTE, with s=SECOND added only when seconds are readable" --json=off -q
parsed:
h=1 m=43
